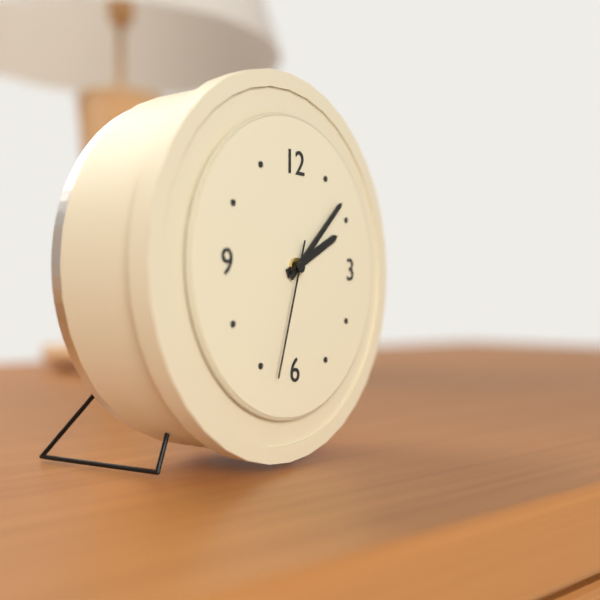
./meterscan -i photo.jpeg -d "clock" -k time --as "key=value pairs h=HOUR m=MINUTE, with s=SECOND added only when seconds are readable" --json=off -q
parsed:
h=2 m=8 s=33
